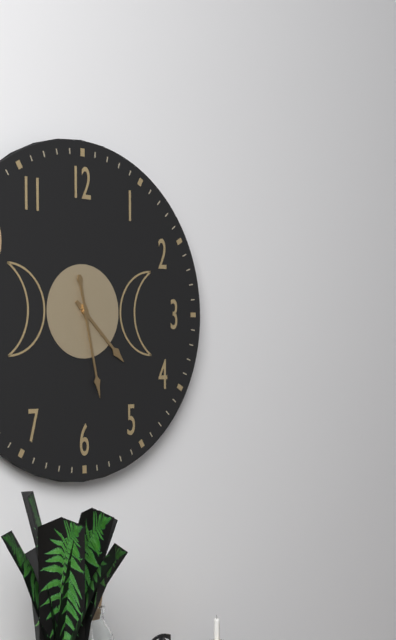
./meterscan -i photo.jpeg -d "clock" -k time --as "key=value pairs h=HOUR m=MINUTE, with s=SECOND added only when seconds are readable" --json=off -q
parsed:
h=4 m=28
